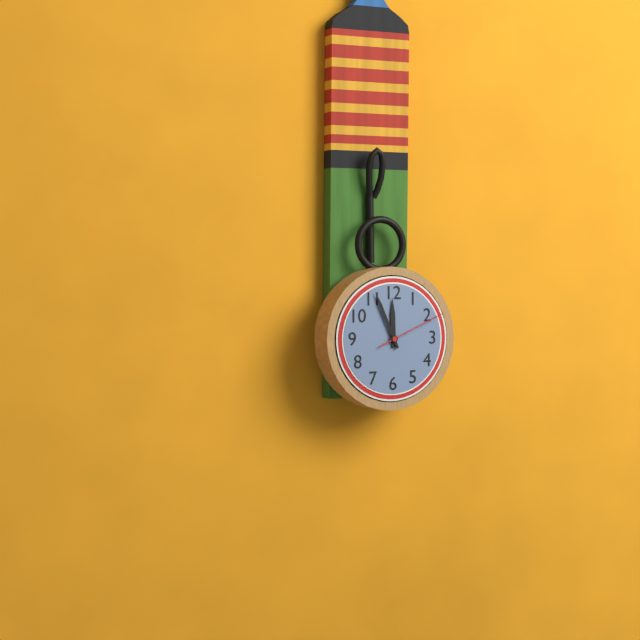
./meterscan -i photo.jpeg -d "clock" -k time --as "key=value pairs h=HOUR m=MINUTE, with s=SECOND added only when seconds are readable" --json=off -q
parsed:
h=11 m=56 s=11
